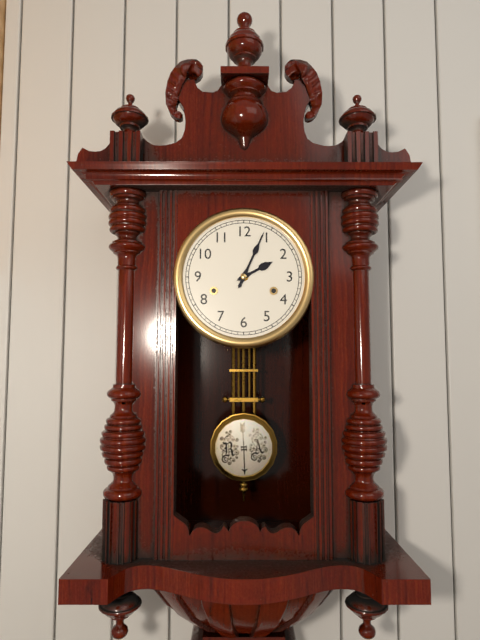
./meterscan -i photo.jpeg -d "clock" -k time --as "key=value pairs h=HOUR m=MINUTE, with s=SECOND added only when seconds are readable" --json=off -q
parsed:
h=2 m=4
